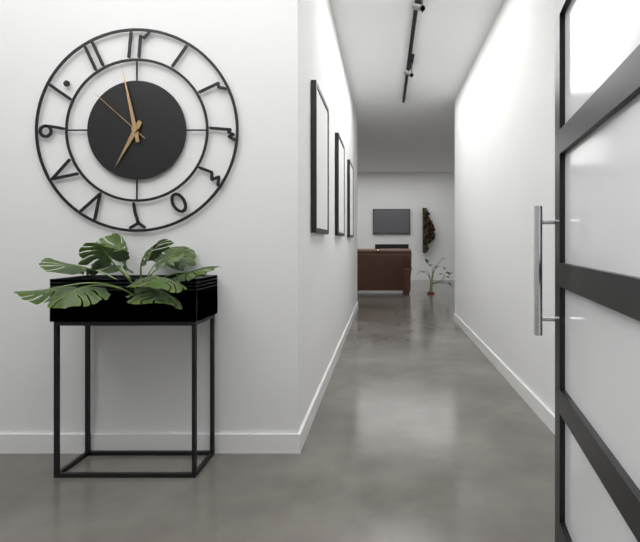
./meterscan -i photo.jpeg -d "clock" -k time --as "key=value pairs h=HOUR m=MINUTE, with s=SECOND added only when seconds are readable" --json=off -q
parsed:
h=6 m=58 s=52
